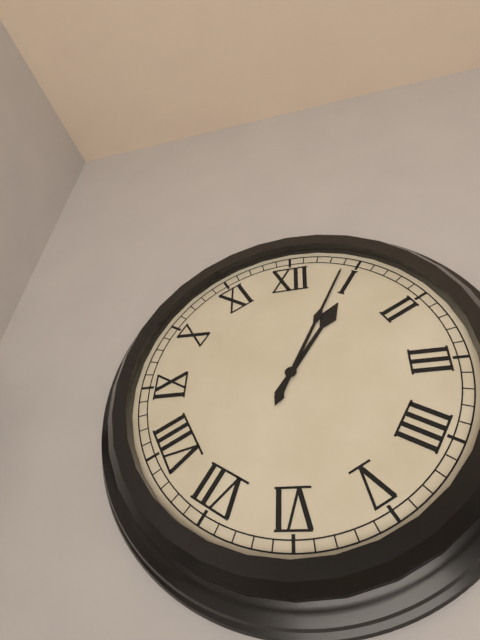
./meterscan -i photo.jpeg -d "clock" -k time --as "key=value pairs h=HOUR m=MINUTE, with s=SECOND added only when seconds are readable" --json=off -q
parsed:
h=1 m=4
